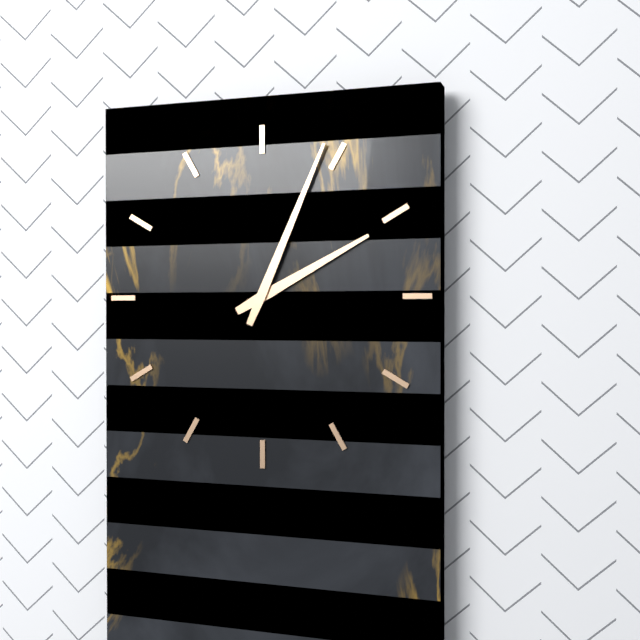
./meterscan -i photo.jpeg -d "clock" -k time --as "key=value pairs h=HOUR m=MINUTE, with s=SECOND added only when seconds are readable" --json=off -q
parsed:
h=2 m=4
